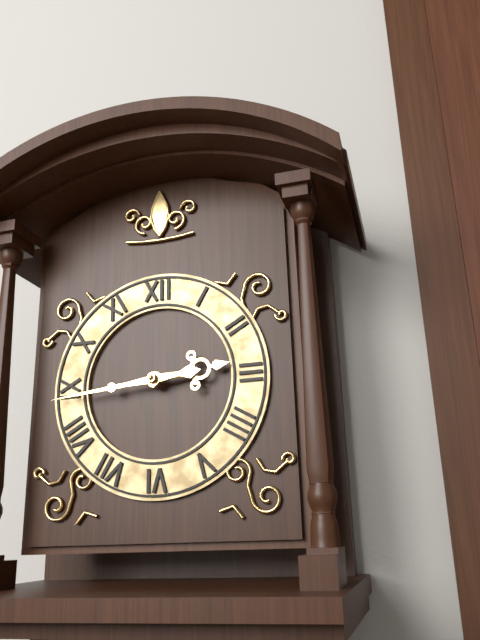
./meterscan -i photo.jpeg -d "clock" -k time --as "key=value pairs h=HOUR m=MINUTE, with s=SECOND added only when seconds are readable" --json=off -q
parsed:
h=2 m=44
